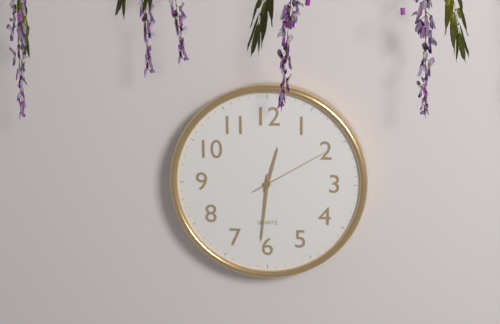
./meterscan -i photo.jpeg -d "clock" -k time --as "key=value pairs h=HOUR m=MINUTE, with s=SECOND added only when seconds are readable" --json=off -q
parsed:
h=12 m=31 s=10
